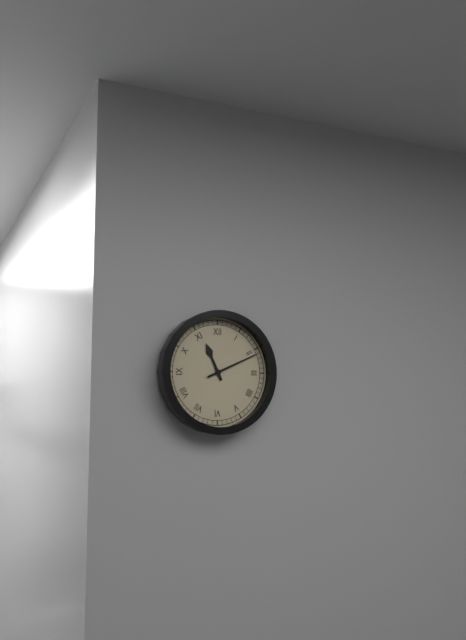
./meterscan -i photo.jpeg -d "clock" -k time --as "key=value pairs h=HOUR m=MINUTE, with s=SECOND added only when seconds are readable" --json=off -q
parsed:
h=11 m=11
